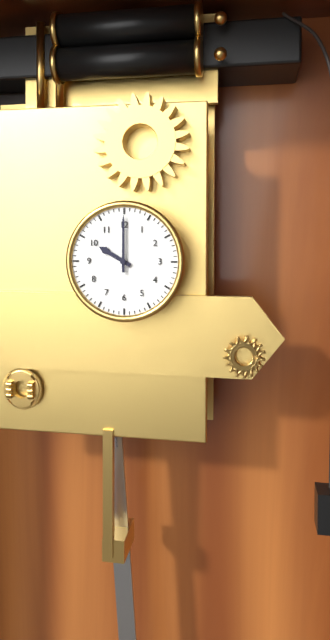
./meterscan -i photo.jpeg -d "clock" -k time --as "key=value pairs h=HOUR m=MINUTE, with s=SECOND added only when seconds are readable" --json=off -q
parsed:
h=10 m=0
